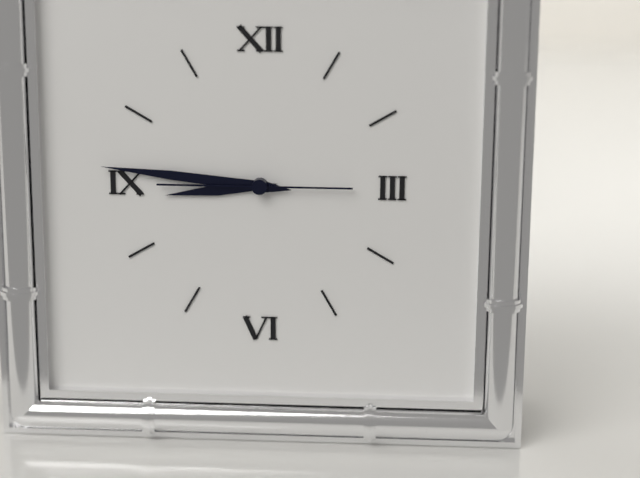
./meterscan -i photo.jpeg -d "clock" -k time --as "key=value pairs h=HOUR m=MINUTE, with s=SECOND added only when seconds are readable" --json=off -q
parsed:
h=8 m=46 s=45
